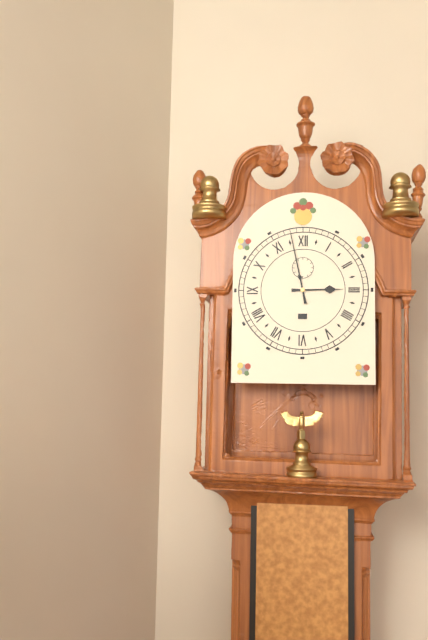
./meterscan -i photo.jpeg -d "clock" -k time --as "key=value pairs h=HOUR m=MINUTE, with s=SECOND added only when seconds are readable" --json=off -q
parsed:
h=2 m=58
